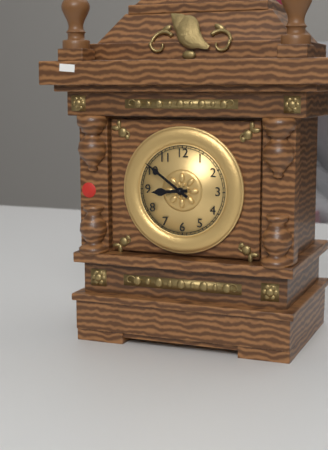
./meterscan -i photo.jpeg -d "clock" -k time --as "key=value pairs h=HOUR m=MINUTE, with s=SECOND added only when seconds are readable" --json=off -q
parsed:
h=8 m=51
